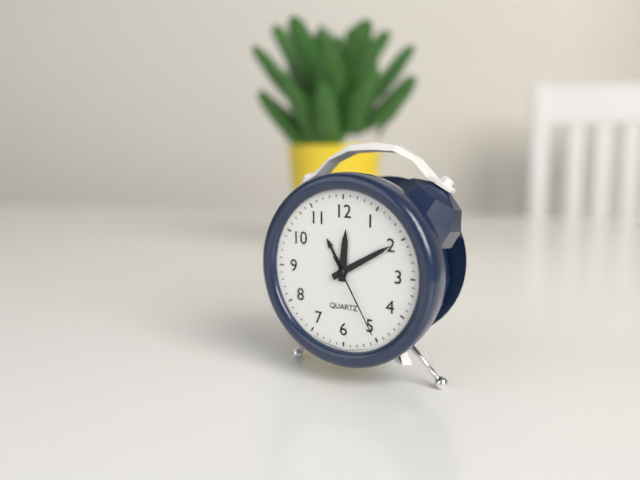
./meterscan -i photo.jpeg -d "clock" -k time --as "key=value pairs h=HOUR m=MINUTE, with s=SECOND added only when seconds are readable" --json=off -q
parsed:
h=12 m=10 s=25
